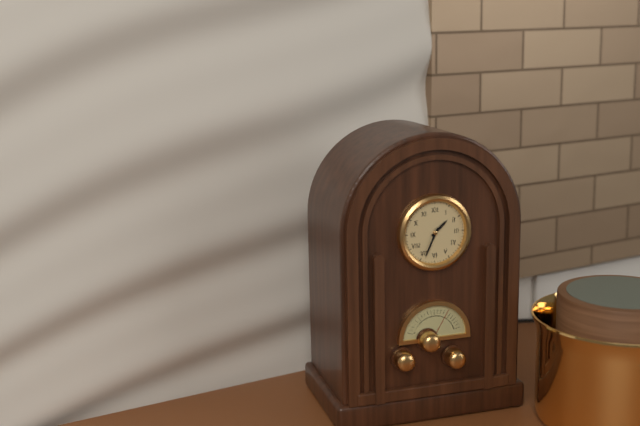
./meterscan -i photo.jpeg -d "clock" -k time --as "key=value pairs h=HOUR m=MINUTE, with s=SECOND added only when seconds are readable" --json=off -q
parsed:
h=1 m=34
